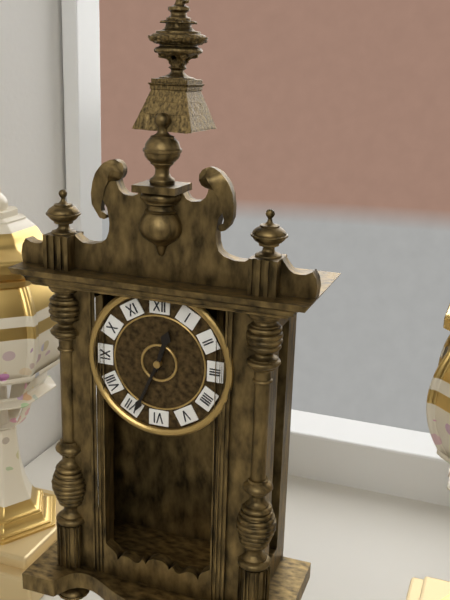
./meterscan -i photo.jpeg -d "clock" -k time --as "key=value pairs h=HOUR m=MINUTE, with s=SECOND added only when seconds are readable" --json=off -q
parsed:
h=12 m=34
